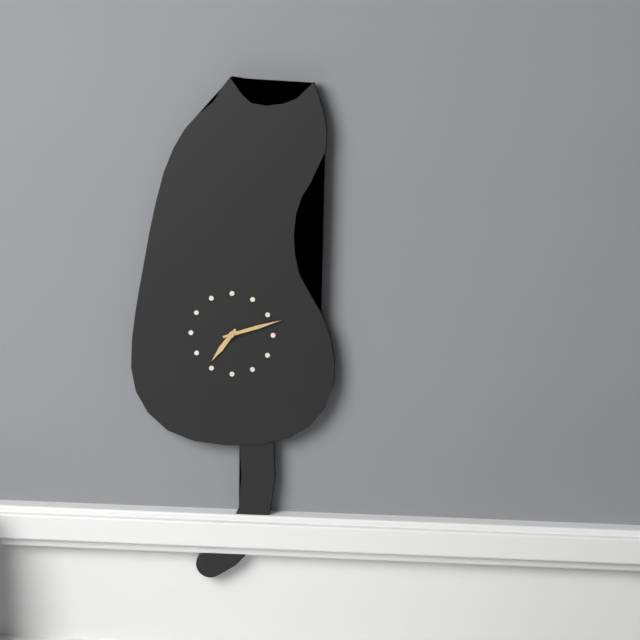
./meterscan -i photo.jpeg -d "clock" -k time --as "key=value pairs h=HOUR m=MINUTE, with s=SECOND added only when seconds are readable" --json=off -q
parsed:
h=7 m=12
